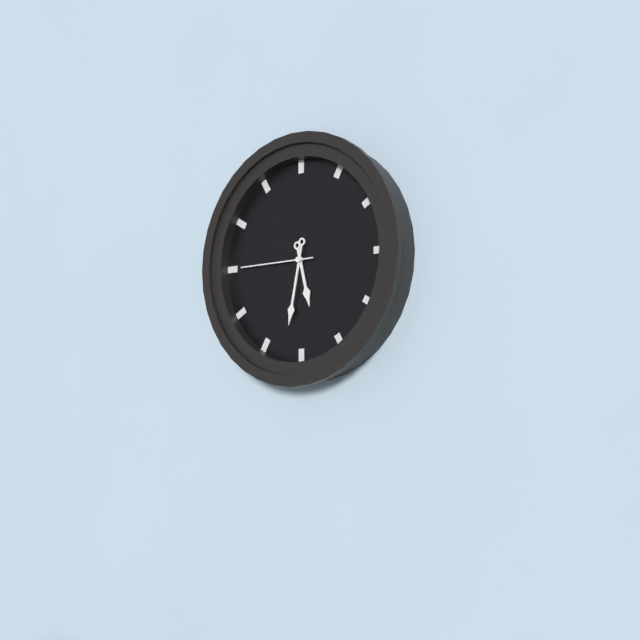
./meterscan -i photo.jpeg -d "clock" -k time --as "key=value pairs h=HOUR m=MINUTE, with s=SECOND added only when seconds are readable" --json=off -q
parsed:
h=5 m=32 s=45
